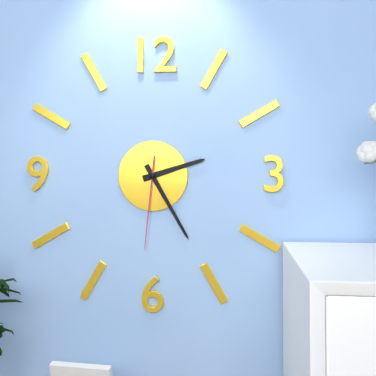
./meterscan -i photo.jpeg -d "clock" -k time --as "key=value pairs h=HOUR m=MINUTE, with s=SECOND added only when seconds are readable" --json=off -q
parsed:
h=2 m=25 s=31
